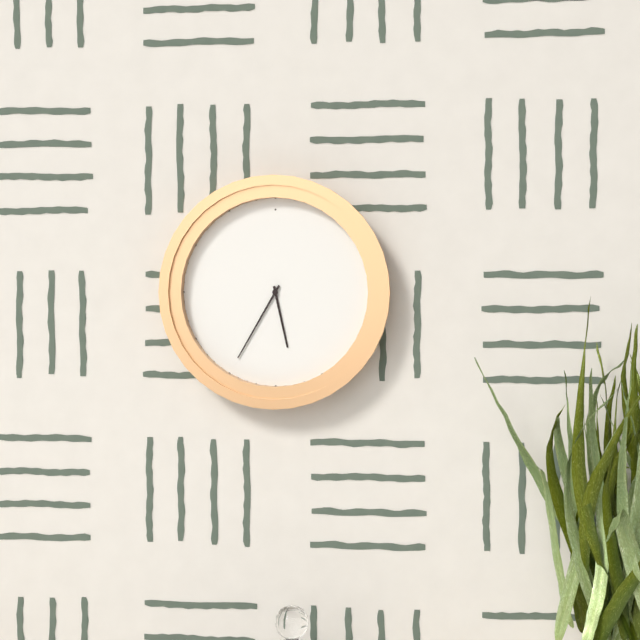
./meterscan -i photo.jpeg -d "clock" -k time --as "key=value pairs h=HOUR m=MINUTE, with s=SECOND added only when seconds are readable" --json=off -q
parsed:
h=5 m=35
